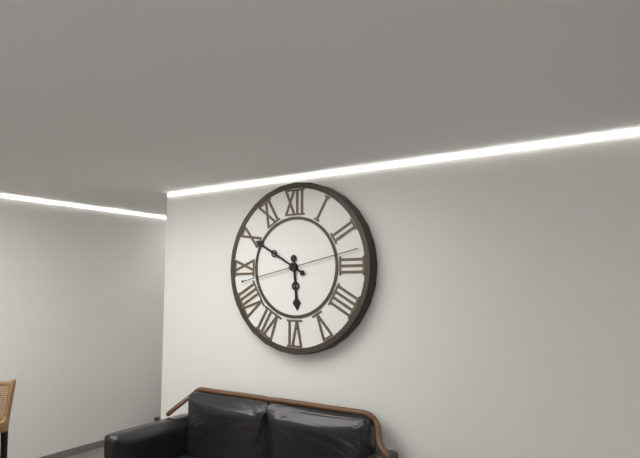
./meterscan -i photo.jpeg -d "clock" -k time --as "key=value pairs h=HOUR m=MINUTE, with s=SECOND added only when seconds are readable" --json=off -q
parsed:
h=5 m=50 s=13
